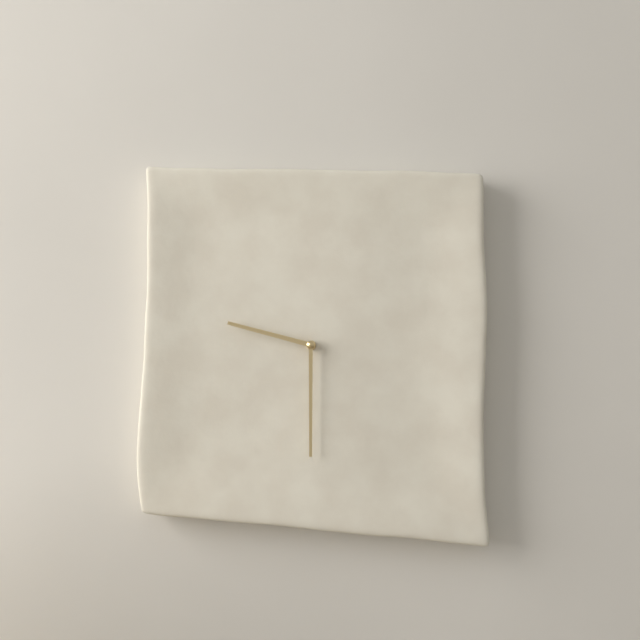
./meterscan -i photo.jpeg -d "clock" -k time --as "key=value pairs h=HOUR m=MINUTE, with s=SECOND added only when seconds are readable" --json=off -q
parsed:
h=9 m=30
